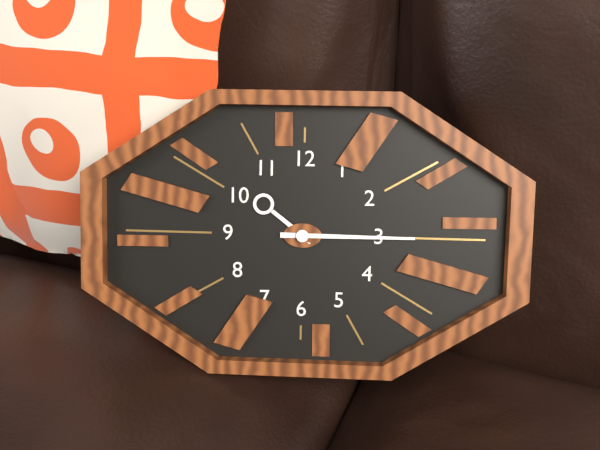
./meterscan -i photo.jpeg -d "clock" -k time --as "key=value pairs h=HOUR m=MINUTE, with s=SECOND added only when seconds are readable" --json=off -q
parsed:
h=10 m=15
